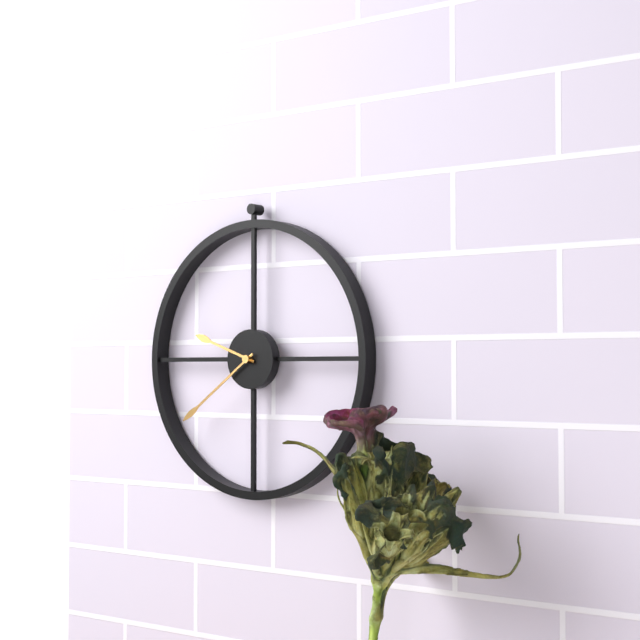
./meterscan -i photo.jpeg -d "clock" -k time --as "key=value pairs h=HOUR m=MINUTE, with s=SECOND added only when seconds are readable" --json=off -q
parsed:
h=9 m=39
